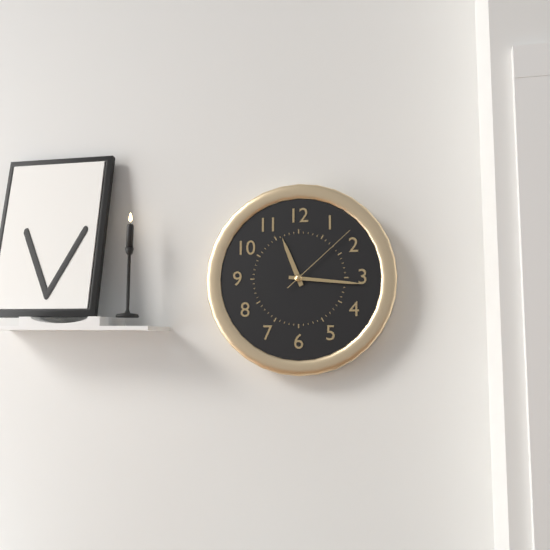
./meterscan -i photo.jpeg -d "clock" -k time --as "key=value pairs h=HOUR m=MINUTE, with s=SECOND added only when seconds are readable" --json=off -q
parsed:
h=11 m=16 s=8
